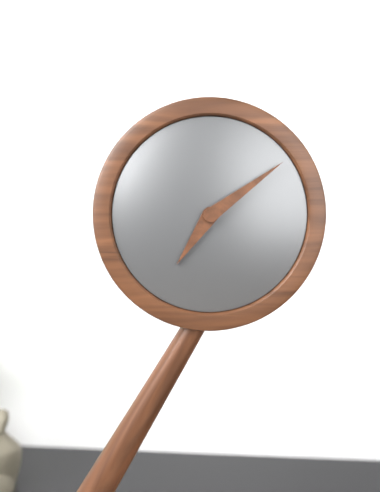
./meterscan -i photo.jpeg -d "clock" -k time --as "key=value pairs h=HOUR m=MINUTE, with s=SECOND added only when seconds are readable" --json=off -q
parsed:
h=7 m=9
